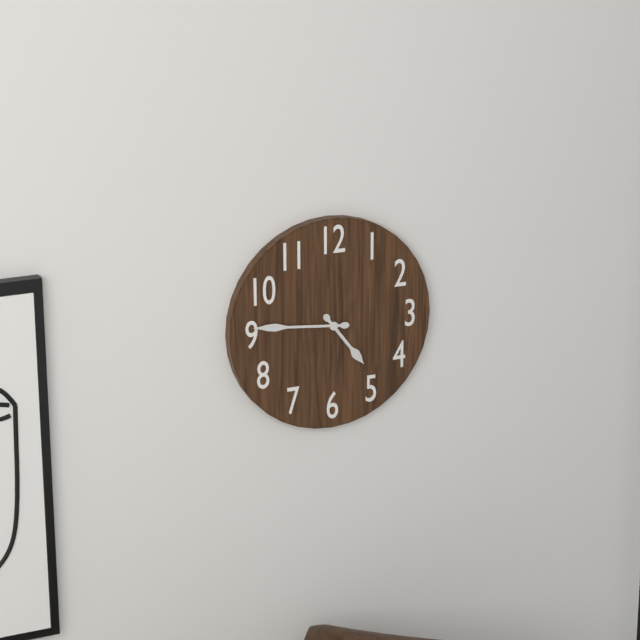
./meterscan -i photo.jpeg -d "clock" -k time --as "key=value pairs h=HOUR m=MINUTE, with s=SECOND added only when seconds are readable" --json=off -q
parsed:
h=4 m=46
